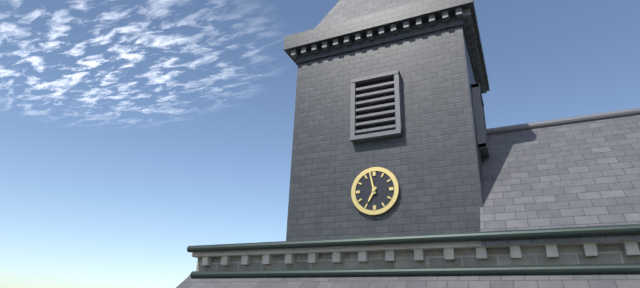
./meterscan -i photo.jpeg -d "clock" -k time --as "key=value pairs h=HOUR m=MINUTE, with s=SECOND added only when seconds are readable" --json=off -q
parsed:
h=6 m=58
